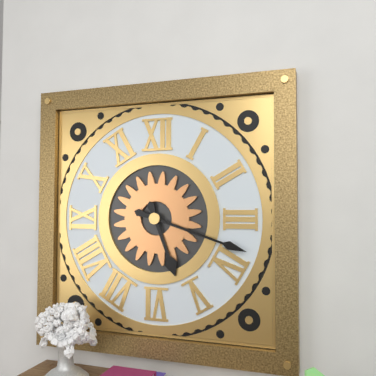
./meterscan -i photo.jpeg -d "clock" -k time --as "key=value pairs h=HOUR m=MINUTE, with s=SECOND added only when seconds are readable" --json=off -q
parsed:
h=5 m=18
